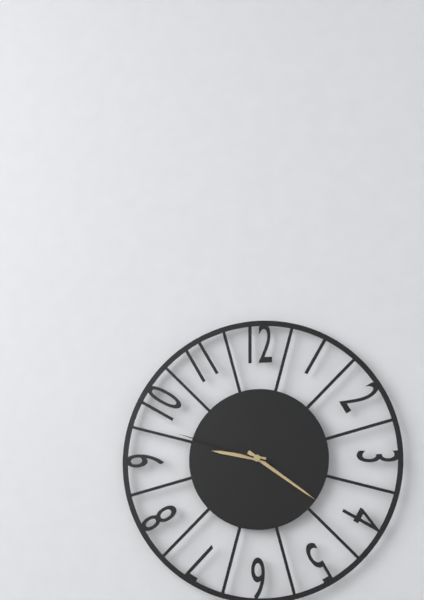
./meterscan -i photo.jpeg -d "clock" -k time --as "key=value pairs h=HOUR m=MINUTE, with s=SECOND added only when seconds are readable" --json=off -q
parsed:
h=9 m=21 s=48
